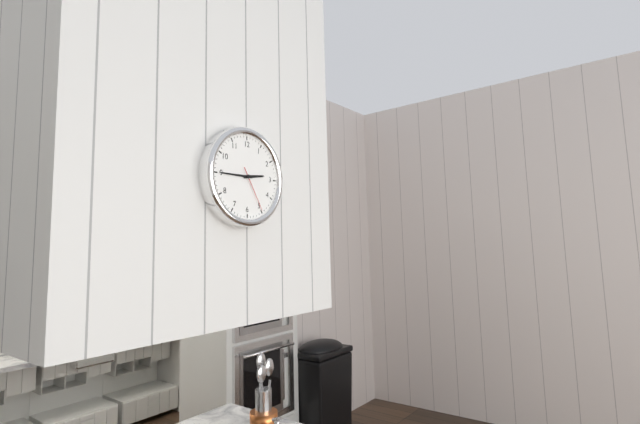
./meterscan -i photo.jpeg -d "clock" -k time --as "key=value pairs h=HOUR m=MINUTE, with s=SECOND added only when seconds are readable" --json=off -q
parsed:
h=2 m=45
